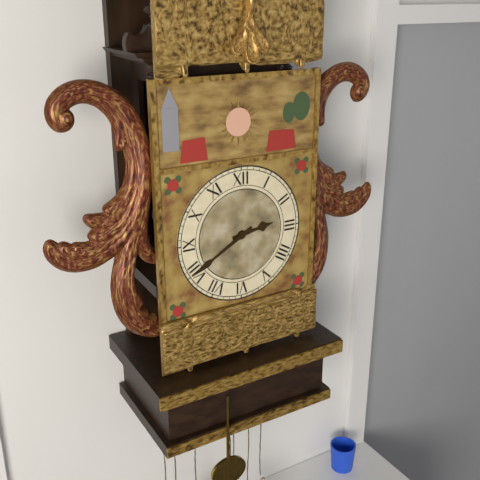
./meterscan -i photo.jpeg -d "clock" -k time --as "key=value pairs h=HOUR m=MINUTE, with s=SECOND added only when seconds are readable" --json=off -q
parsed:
h=2 m=40
